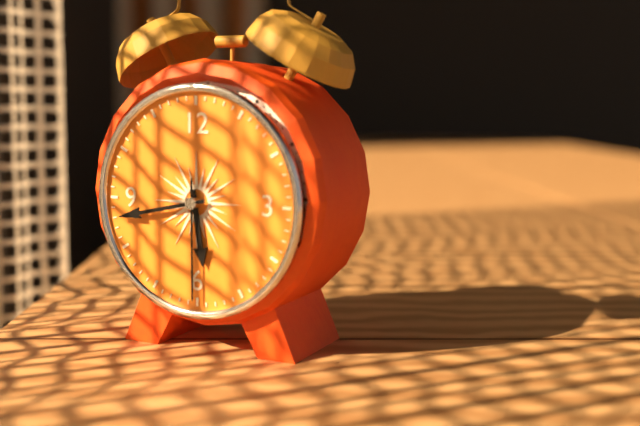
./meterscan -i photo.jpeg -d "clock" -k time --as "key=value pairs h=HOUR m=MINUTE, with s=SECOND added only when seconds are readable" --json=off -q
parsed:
h=5 m=43 s=30
